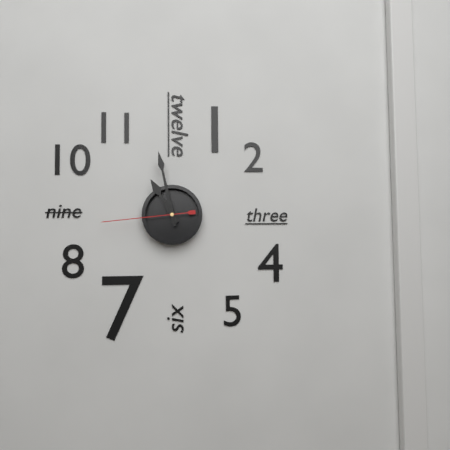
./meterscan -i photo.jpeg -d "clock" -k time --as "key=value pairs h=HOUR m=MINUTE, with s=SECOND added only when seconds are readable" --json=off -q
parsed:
h=10 m=58 s=44
